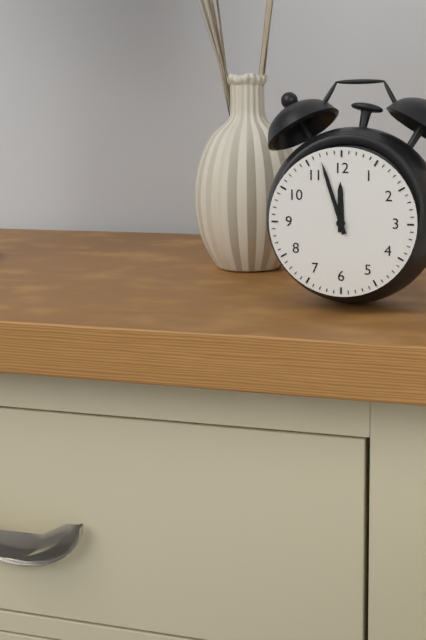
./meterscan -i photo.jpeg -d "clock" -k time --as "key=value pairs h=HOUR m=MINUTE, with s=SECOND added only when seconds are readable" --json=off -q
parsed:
h=11 m=57
